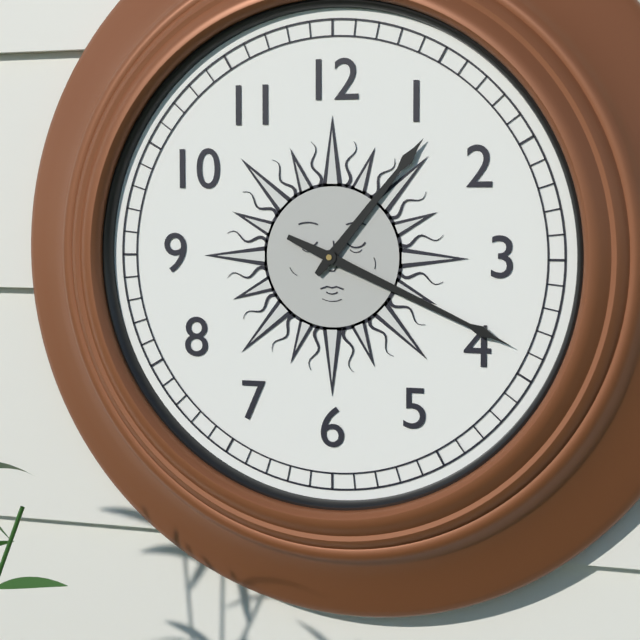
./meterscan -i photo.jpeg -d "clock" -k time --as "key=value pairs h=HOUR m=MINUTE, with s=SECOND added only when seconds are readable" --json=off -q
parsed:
h=1 m=19
